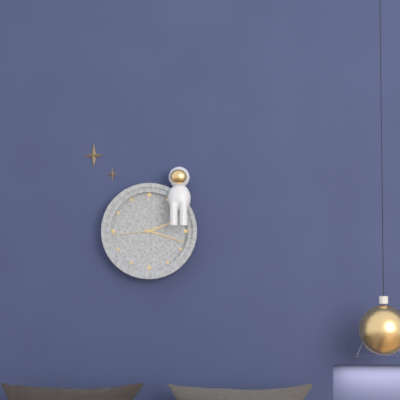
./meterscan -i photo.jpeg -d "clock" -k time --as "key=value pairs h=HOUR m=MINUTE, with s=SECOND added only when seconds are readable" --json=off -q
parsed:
h=2 m=18
